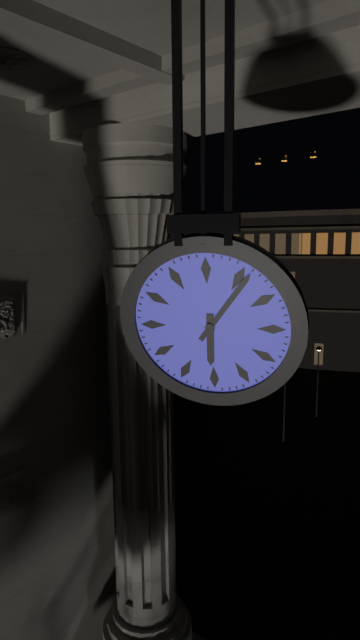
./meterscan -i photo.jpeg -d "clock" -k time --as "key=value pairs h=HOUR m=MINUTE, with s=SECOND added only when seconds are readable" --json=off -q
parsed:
h=6 m=6
